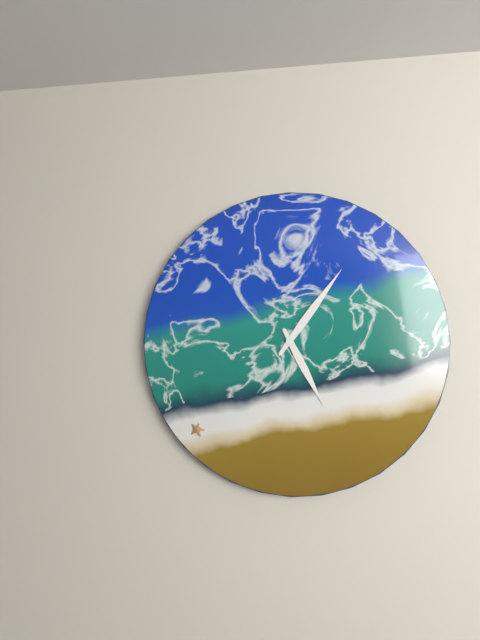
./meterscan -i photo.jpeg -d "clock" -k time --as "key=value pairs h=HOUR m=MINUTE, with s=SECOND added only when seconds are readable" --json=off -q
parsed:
h=5 m=6
